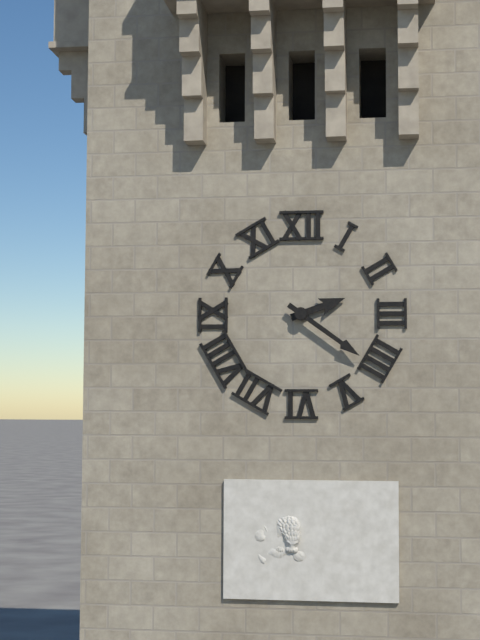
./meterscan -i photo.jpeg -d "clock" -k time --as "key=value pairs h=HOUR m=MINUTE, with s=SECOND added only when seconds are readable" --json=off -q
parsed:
h=2 m=21
